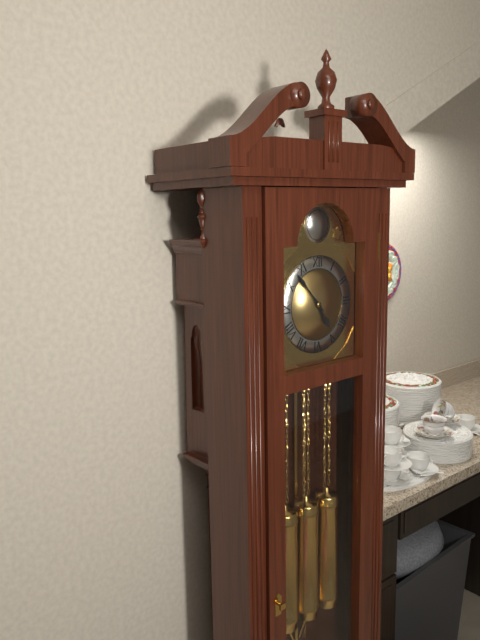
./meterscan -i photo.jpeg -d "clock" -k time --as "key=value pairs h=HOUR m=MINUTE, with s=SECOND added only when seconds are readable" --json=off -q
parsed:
h=4 m=53
